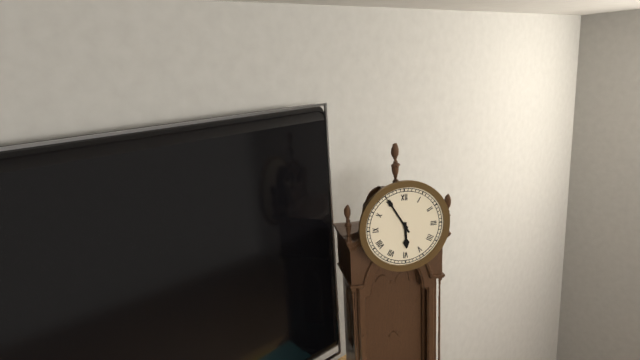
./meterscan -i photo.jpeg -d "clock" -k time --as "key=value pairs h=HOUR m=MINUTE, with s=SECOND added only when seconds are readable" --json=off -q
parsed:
h=5 m=55
